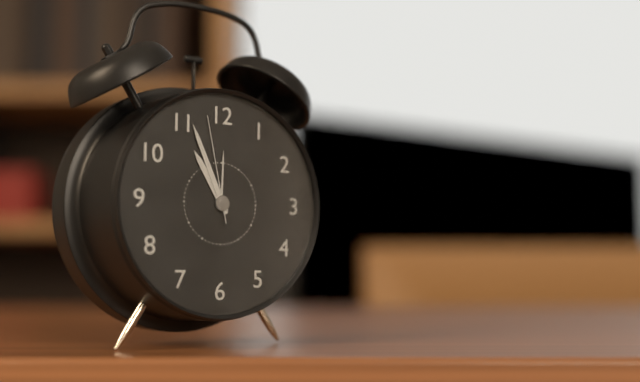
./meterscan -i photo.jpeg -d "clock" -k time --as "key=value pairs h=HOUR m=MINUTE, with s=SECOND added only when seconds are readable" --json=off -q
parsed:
h=10 m=56 s=58
